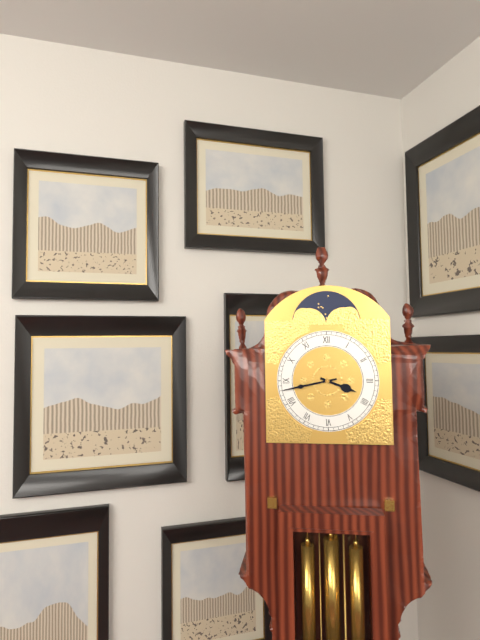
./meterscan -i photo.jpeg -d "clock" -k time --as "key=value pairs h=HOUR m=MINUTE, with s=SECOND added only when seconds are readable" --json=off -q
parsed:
h=3 m=43
